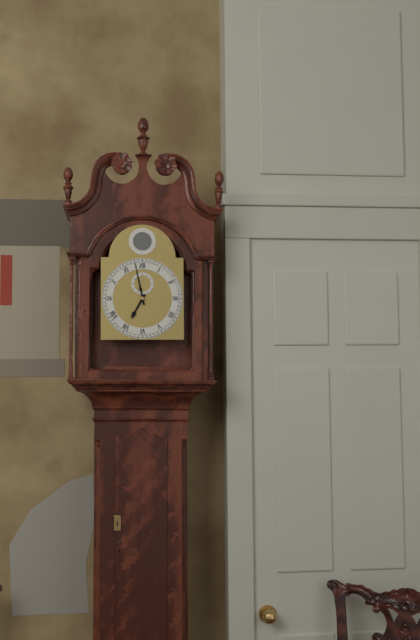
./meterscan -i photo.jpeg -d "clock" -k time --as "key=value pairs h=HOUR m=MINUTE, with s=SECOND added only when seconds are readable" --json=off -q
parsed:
h=6 m=58
